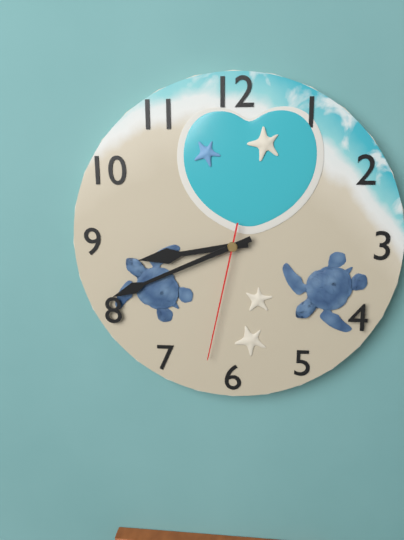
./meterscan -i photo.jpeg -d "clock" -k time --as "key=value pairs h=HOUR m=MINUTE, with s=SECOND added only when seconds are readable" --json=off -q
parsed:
h=8 m=41 s=32
